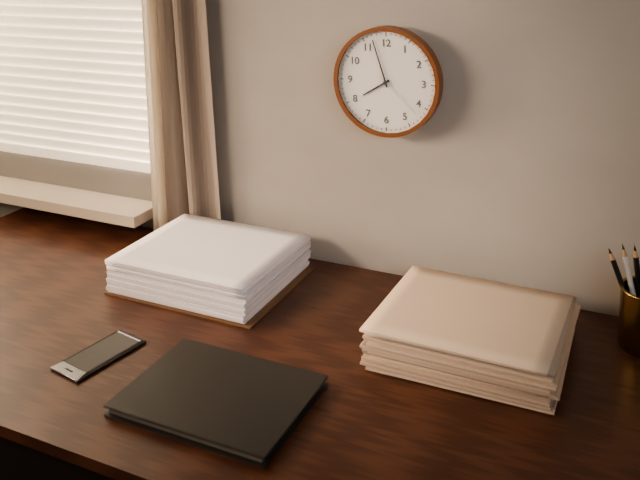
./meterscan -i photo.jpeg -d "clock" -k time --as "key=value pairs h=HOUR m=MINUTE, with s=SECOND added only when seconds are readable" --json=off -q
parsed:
h=7 m=57 s=22
